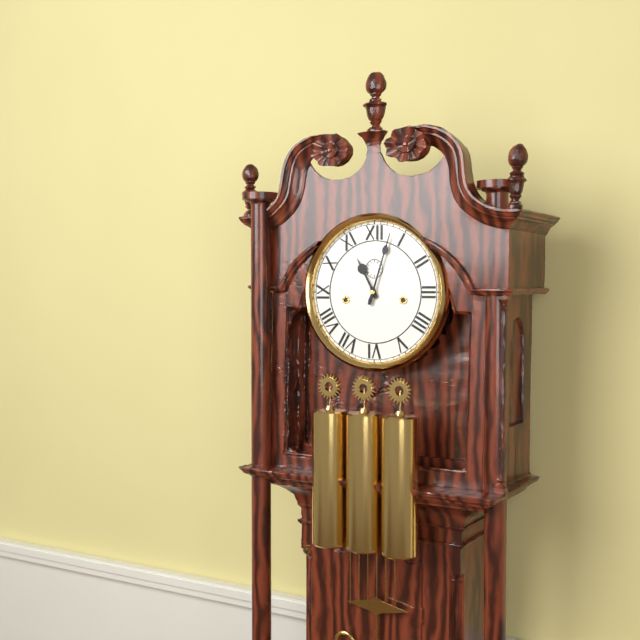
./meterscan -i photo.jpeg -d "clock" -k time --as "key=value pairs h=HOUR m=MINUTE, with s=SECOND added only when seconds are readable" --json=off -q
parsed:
h=11 m=3
